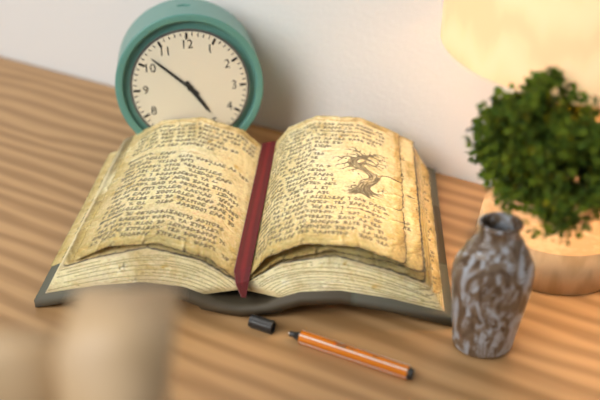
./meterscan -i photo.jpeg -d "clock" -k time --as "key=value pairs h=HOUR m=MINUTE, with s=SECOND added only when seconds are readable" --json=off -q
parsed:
h=4 m=52
